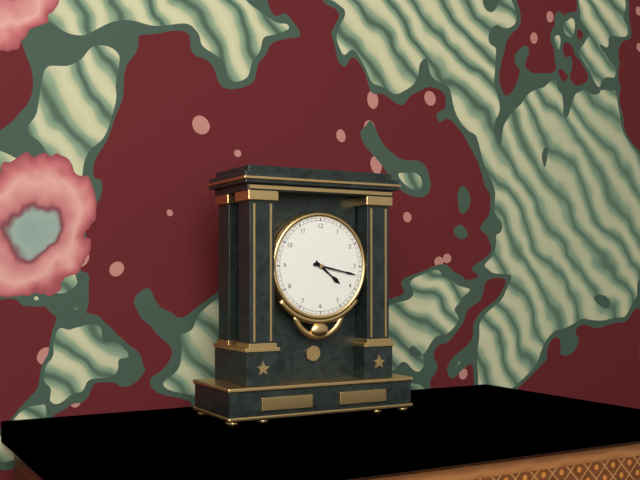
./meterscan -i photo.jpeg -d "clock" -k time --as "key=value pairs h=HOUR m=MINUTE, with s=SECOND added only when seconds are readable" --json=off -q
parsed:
h=4 m=17
